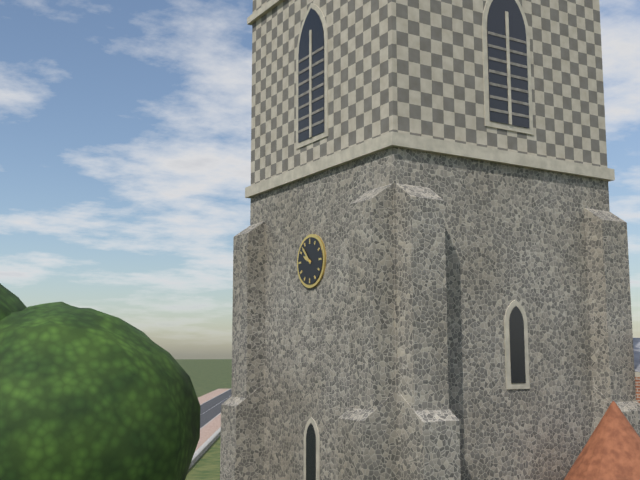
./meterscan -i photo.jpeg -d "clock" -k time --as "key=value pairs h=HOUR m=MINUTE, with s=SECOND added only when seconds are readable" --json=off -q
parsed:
h=9 m=53
